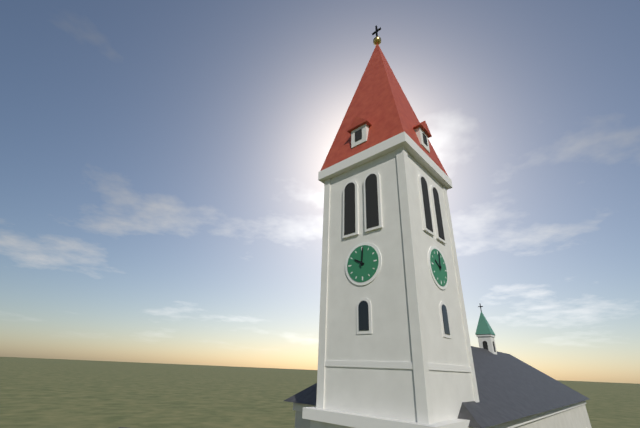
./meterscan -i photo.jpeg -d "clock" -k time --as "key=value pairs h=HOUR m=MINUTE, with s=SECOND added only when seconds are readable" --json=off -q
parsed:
h=10 m=1
